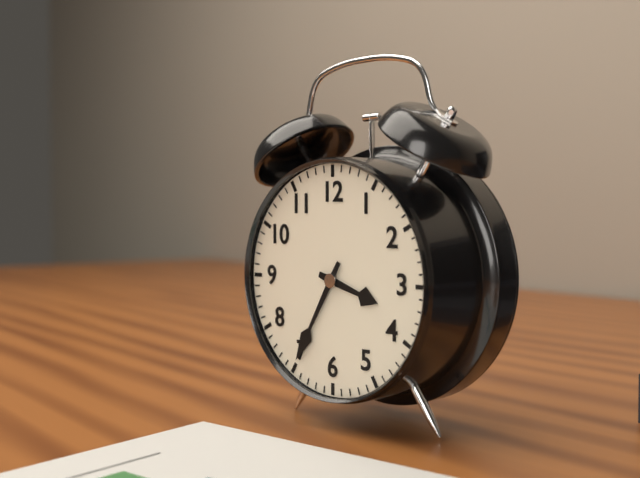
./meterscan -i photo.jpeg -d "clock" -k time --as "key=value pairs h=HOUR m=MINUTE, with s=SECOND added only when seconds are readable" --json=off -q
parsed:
h=3 m=35
